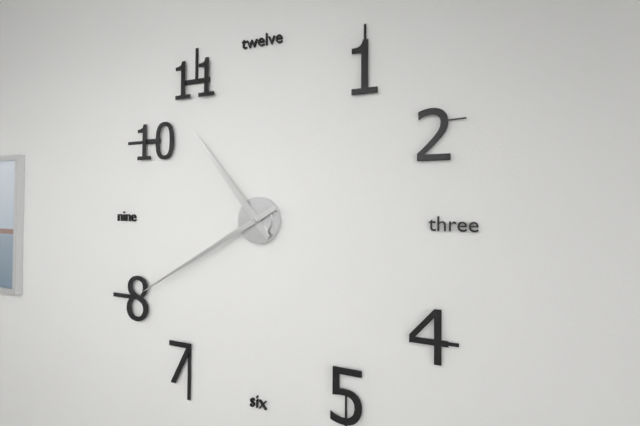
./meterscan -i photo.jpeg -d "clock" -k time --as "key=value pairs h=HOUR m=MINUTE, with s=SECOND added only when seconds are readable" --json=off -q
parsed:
h=10 m=40
